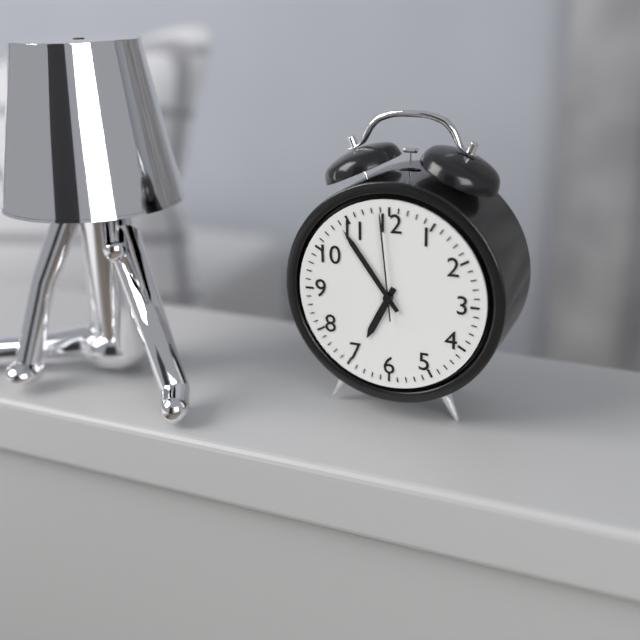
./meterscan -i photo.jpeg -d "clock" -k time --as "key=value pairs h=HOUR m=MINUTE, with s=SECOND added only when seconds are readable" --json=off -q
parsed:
h=6 m=54 s=59
